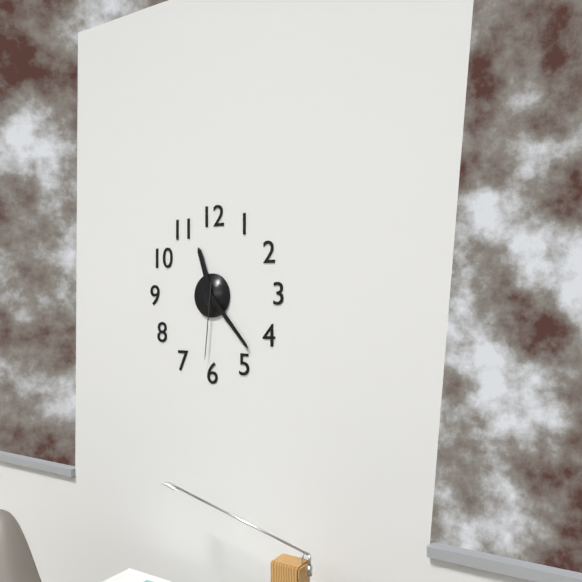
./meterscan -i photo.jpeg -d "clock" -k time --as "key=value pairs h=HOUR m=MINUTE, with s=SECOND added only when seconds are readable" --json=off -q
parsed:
h=11 m=23 s=31
